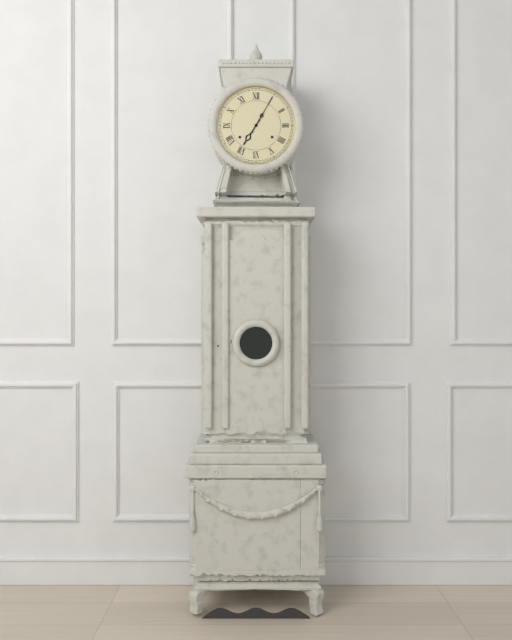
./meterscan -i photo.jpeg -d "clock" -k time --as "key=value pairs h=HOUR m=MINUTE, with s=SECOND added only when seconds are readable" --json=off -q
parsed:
h=7 m=5
